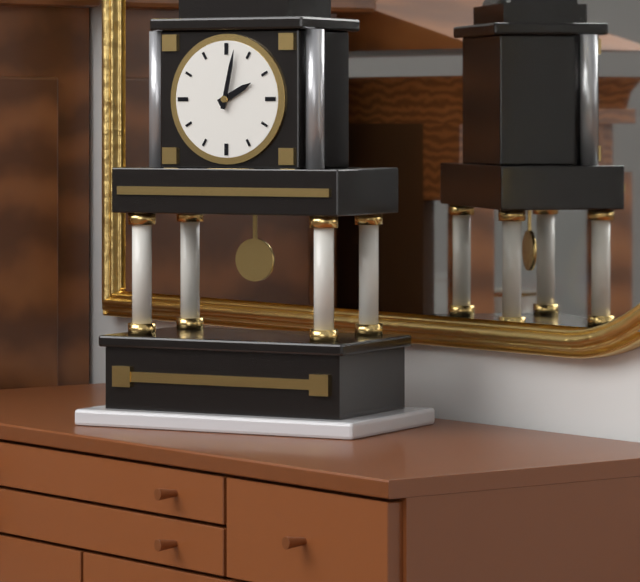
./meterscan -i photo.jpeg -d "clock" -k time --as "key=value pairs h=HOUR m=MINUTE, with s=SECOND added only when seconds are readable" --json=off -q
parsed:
h=2 m=2
